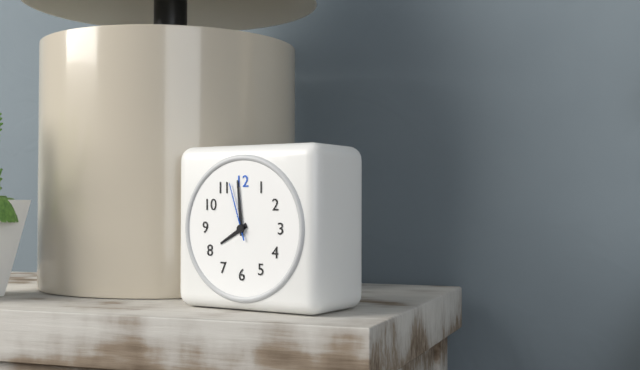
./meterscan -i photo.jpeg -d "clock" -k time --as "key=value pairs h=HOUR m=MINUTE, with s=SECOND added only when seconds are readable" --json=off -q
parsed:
h=7 m=59 s=57
